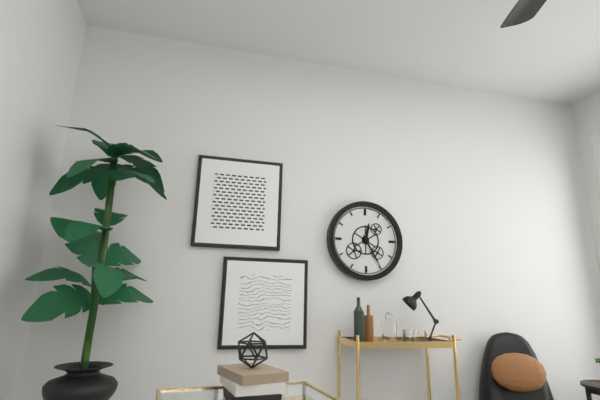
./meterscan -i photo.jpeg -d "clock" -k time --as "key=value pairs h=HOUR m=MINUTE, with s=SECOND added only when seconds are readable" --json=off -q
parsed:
h=12 m=25
